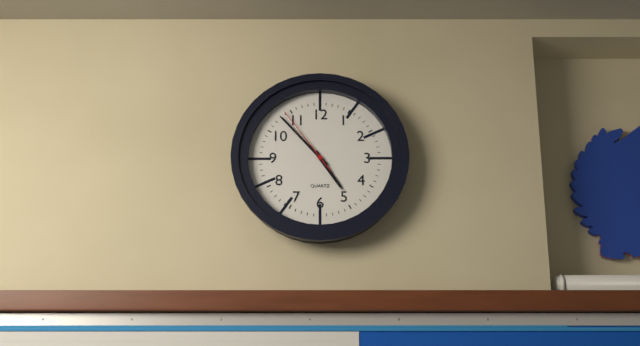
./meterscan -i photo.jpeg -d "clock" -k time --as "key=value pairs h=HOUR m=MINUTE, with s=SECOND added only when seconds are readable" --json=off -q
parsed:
h=4 m=53 s=54
